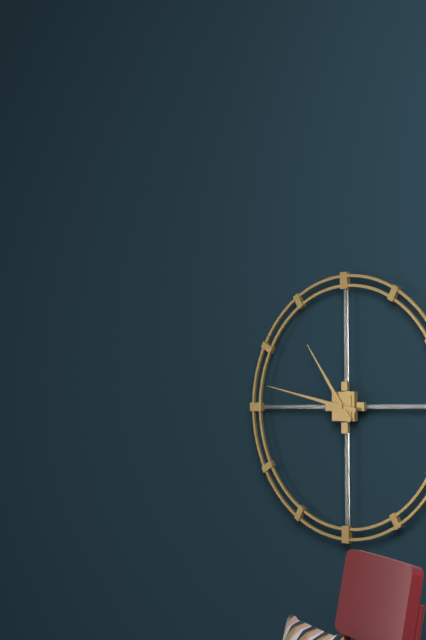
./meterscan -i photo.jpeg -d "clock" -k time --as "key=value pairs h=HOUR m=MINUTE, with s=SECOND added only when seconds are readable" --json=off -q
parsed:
h=10 m=47
